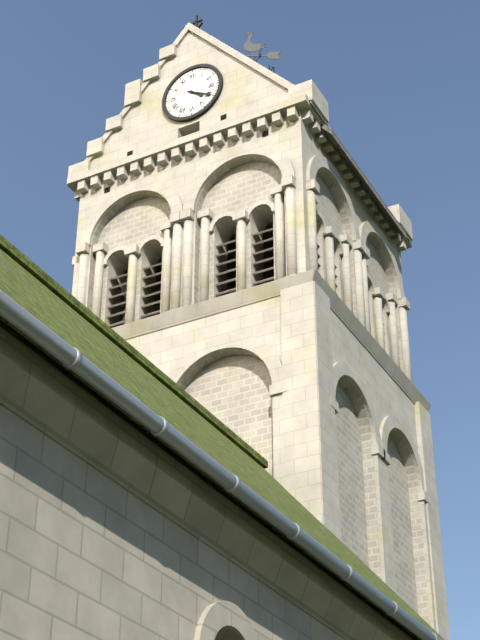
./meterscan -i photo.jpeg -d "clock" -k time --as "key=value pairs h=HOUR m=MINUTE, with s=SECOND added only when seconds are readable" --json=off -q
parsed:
h=4 m=20
